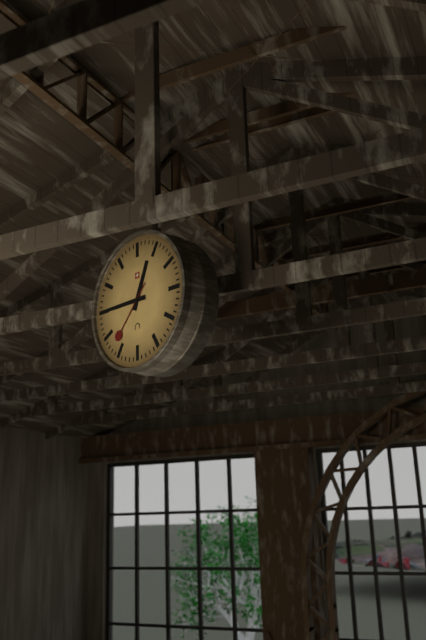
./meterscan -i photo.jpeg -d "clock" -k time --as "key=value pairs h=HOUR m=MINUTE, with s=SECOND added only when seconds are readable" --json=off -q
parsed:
h=12 m=45 s=37
